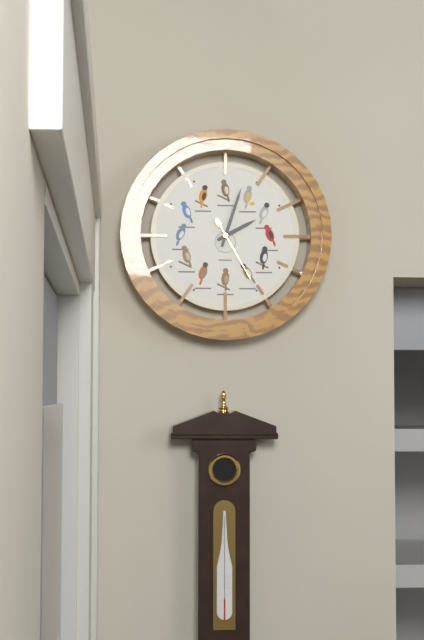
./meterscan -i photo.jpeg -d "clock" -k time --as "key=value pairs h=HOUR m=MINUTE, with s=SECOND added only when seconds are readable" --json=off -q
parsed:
h=2 m=3 s=25
